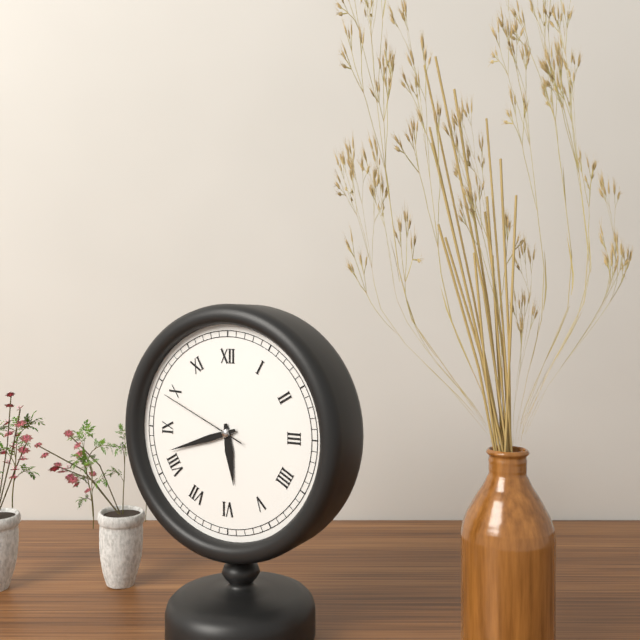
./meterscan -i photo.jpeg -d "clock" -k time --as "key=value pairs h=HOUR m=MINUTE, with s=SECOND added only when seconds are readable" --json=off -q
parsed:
h=5 m=42 s=49
